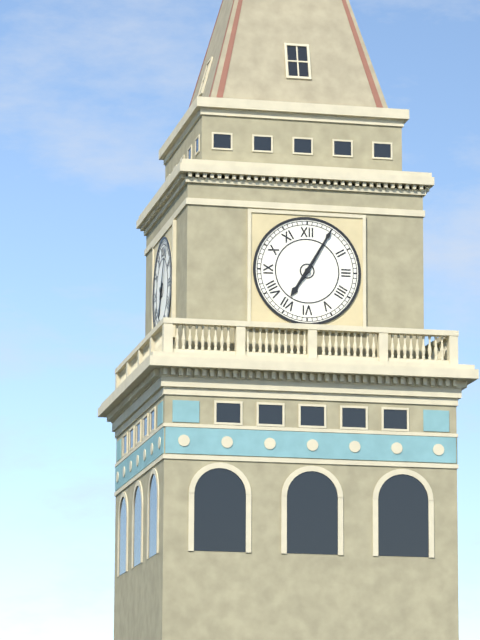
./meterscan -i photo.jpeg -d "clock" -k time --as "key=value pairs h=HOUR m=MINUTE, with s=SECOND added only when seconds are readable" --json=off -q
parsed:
h=7 m=5
